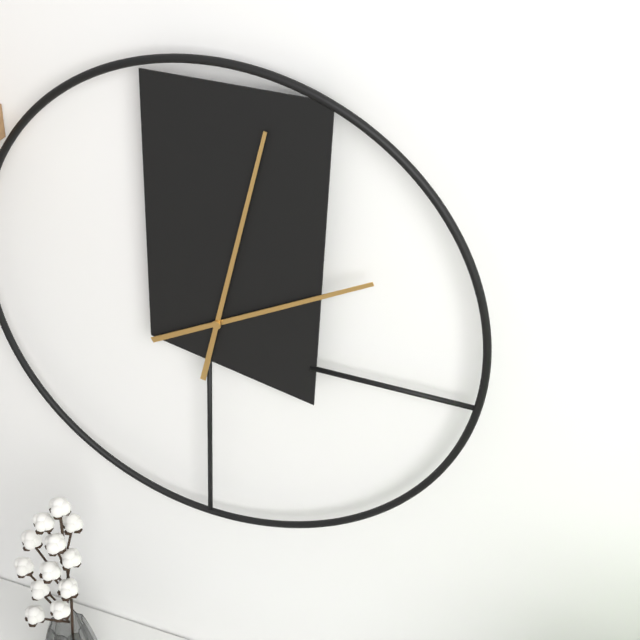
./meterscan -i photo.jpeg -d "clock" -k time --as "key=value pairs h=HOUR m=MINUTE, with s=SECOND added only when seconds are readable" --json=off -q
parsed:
h=2 m=2
